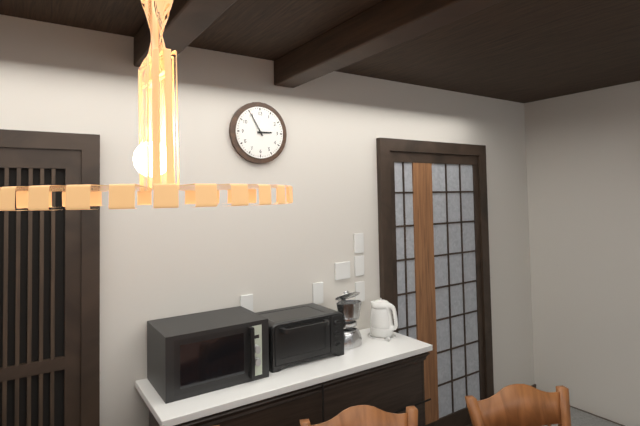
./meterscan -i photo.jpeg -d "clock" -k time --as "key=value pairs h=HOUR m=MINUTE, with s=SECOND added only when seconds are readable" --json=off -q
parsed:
h=2 m=55
